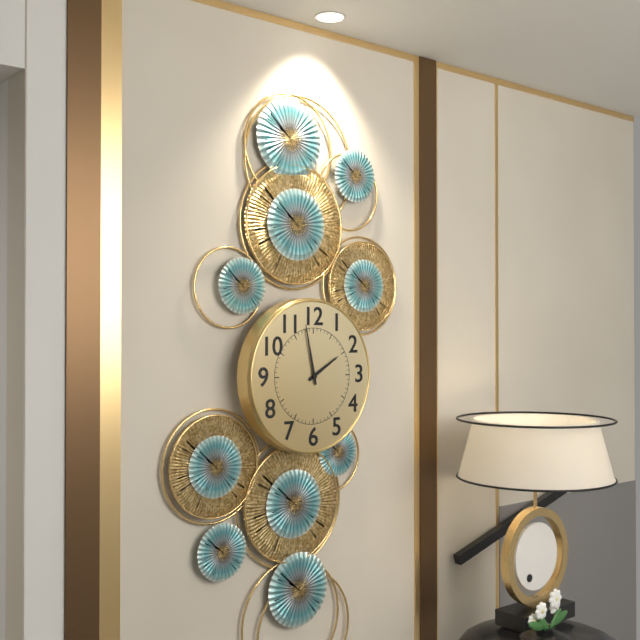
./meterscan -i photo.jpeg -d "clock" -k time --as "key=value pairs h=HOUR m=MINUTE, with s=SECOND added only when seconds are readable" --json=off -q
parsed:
h=1 m=58
